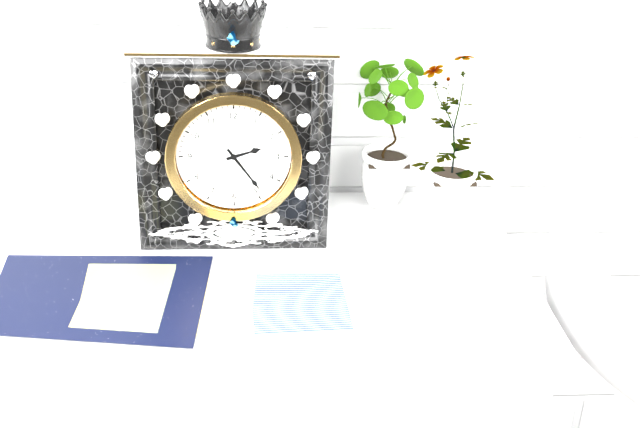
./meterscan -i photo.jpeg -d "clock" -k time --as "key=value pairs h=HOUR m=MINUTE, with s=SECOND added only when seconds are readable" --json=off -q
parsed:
h=2 m=24
